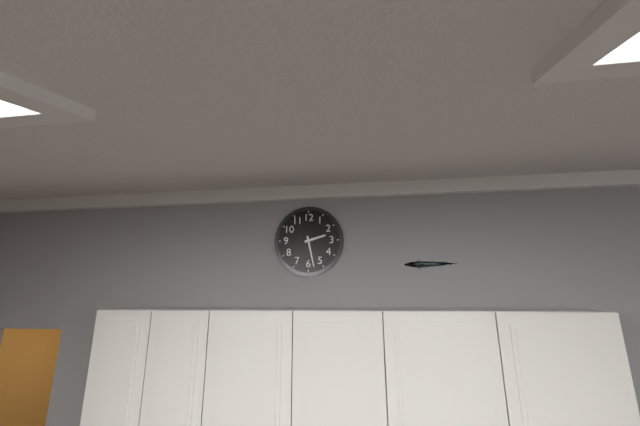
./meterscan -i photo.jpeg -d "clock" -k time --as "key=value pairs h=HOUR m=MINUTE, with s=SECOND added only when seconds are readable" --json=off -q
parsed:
h=2 m=28
